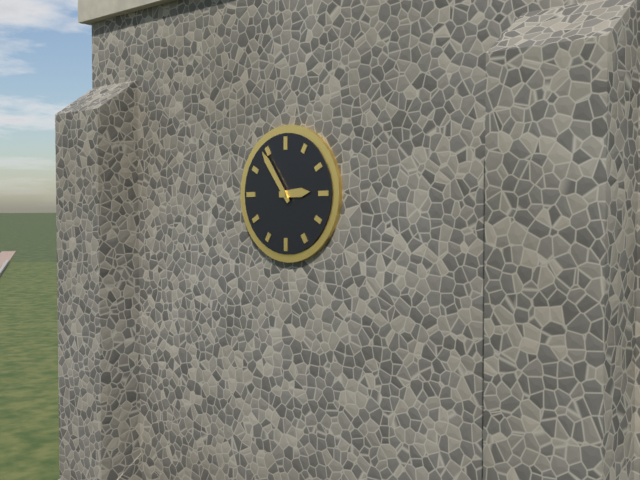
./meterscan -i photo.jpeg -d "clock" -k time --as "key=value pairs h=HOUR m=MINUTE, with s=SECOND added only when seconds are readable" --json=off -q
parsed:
h=2 m=54
